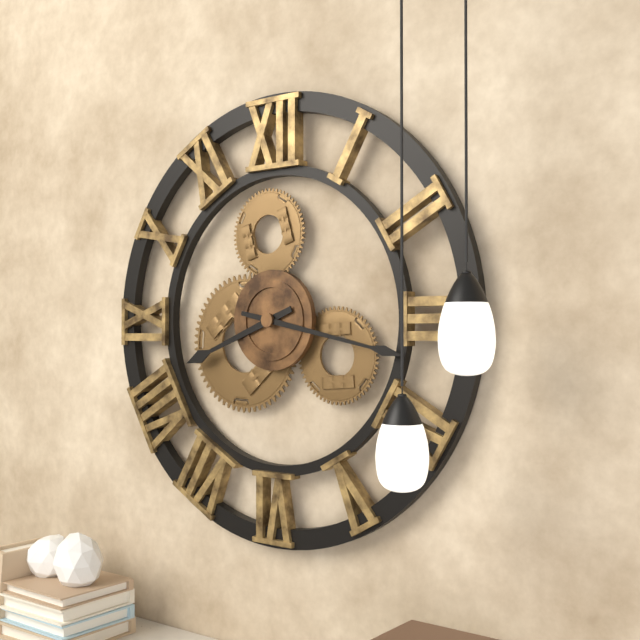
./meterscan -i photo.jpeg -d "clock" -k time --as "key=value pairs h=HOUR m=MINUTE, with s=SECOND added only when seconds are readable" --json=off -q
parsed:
h=8 m=17
